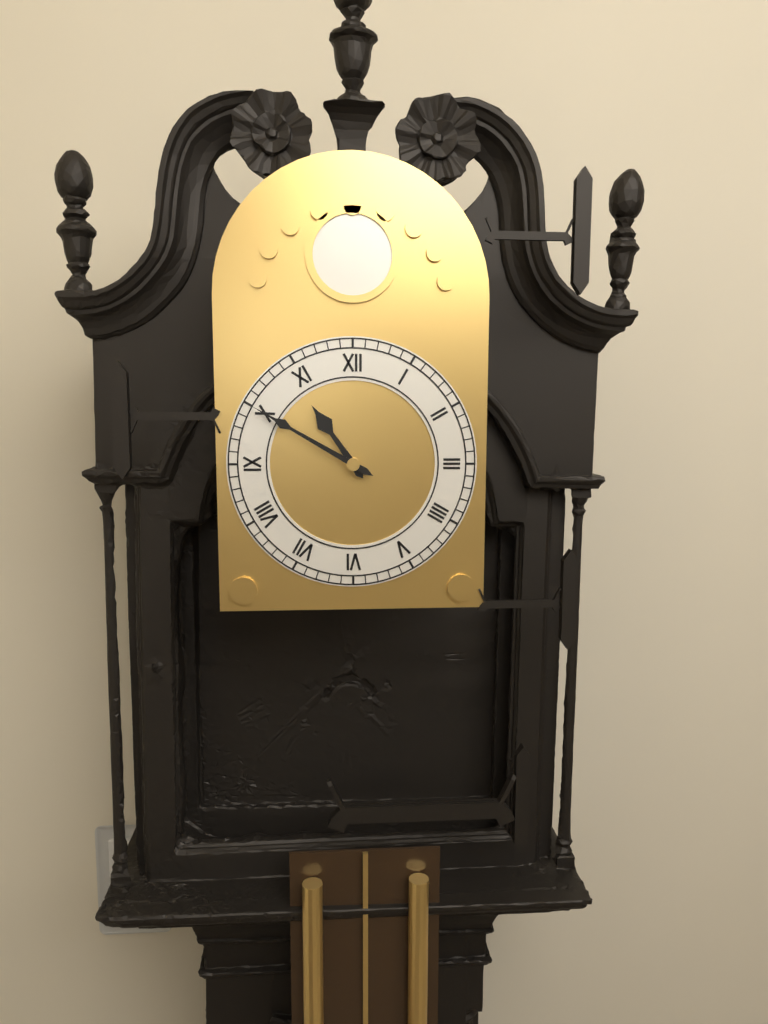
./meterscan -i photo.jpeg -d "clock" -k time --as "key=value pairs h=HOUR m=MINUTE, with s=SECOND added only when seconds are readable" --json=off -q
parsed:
h=10 m=50
